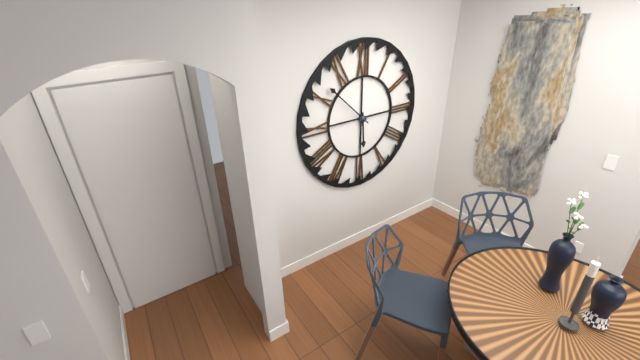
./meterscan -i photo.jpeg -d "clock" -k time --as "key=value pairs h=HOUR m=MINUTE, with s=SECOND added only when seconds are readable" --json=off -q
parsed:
h=5 m=52
